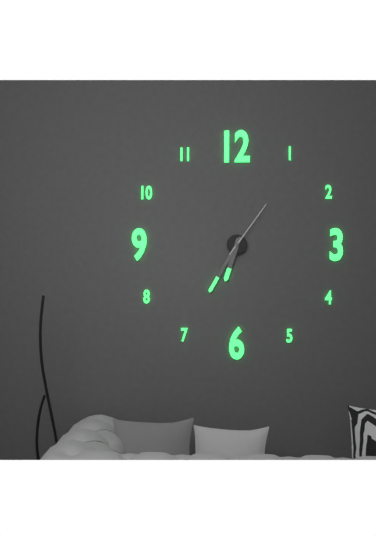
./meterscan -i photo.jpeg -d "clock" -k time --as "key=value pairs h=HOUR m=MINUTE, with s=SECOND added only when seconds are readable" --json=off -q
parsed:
h=6 m=35 s=6
